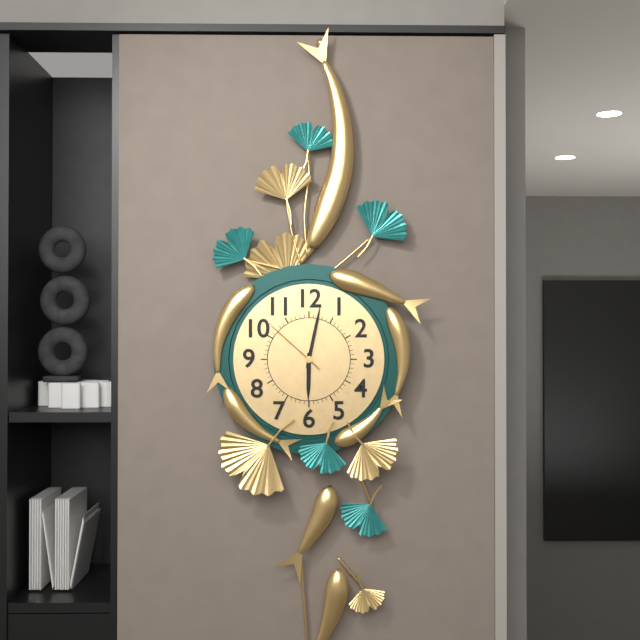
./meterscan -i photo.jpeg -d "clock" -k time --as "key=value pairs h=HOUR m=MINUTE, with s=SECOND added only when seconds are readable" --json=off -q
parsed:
h=6 m=2 s=52
